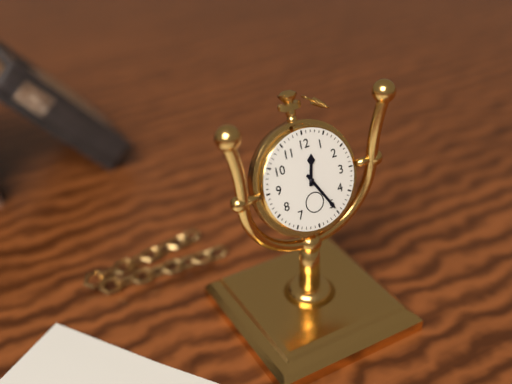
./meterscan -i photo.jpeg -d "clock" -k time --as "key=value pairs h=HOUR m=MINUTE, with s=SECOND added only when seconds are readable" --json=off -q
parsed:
h=12 m=25
